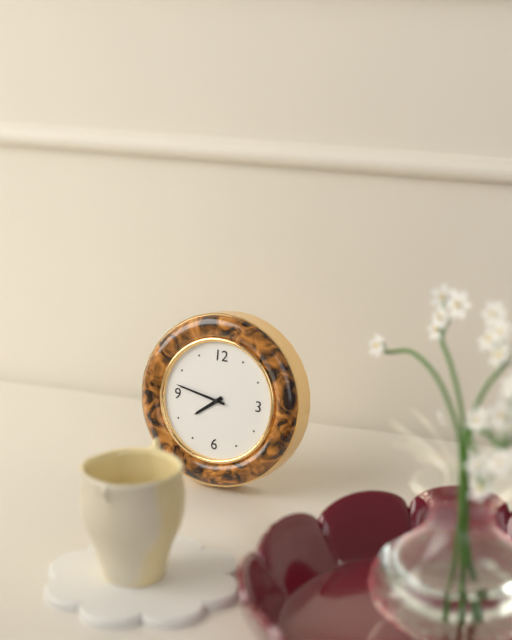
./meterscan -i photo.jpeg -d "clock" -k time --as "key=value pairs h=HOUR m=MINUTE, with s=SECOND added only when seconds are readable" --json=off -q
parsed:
h=7 m=47
